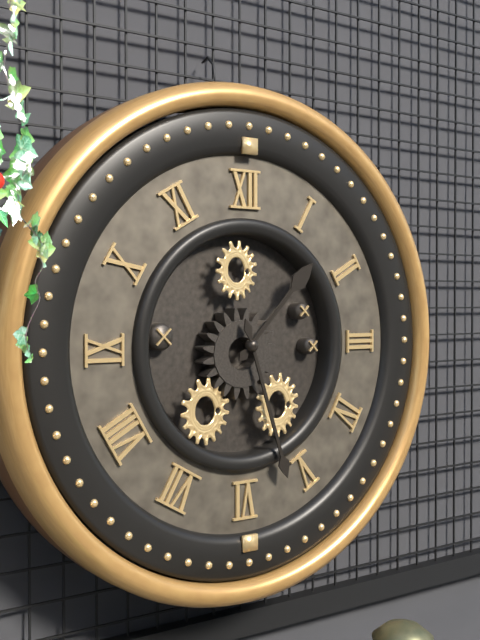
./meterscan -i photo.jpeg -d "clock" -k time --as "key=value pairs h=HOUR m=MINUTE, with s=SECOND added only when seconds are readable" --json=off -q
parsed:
h=1 m=27
